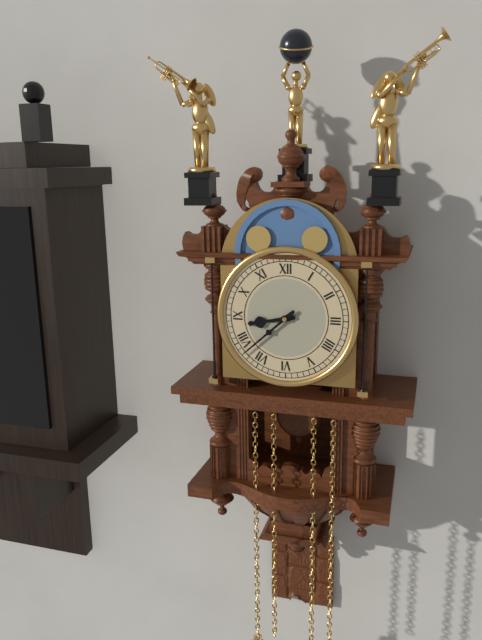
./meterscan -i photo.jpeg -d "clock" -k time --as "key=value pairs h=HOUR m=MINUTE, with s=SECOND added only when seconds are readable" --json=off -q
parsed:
h=8 m=38
